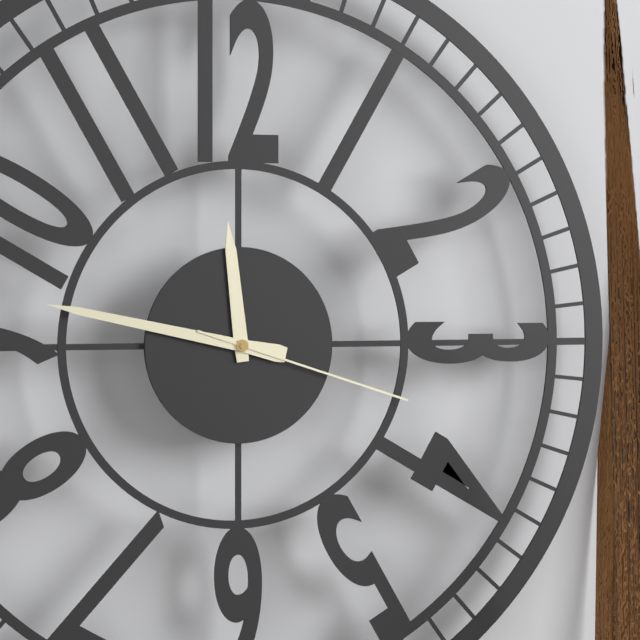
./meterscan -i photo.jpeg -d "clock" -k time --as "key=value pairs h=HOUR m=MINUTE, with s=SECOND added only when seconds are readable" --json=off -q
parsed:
h=11 m=47 s=18
